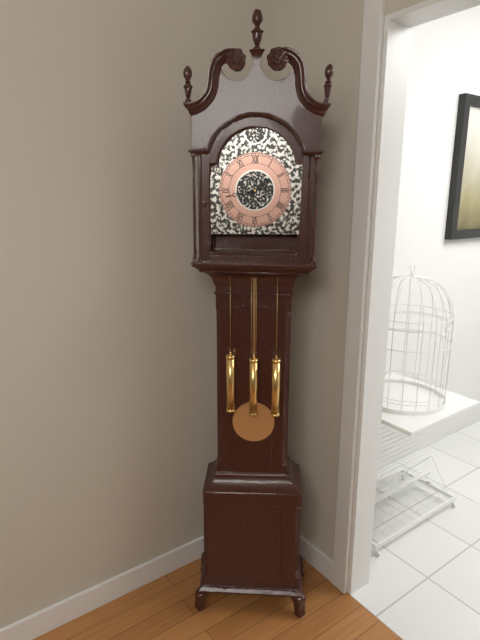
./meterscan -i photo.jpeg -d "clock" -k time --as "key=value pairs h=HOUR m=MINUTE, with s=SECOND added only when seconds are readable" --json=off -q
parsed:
h=1 m=43
